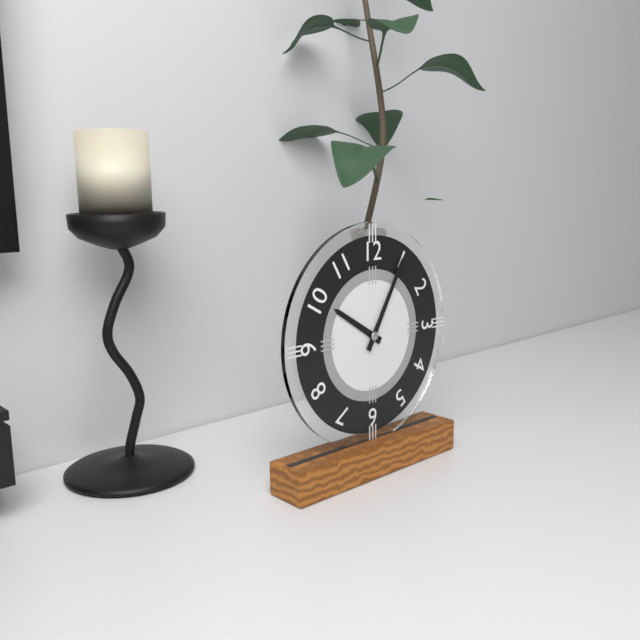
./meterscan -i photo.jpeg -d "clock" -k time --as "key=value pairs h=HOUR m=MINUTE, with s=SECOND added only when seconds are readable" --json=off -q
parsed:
h=10 m=5
